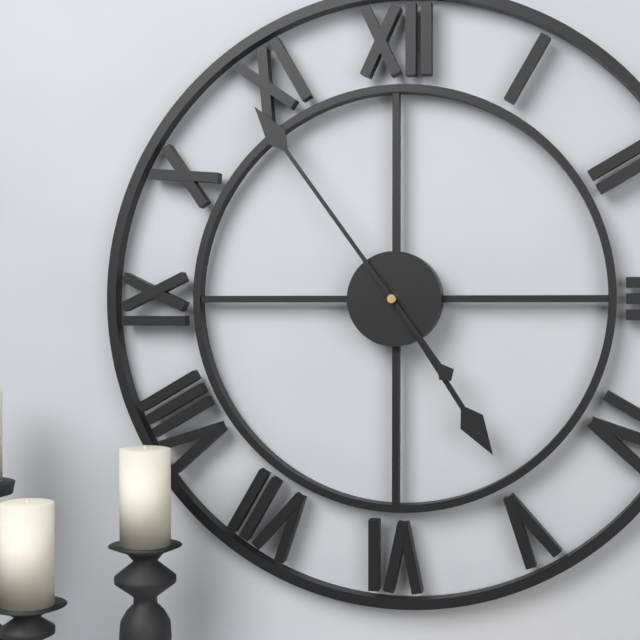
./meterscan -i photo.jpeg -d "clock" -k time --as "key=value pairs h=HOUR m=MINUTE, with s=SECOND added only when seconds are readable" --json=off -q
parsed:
h=4 m=54
